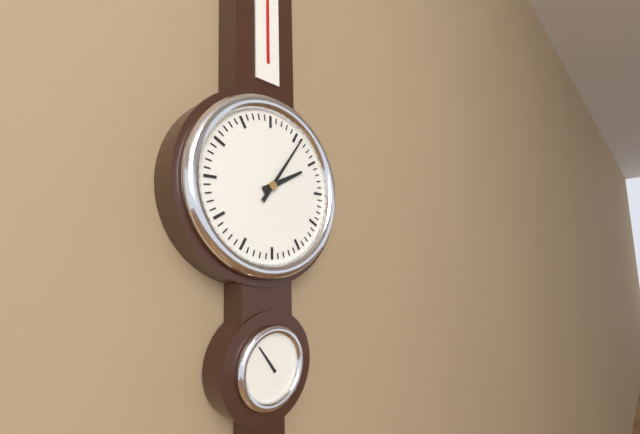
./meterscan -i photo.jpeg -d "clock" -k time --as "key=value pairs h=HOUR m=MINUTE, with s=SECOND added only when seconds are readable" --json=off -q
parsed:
h=2 m=6
